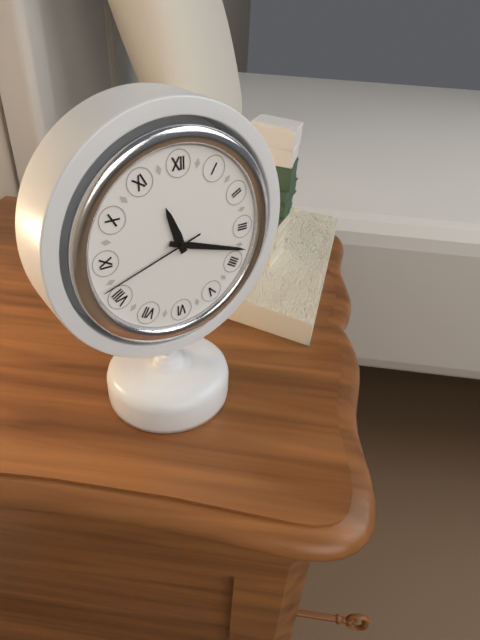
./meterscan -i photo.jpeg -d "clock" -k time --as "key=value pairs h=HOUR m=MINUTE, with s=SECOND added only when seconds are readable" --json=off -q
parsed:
h=11 m=18 s=42
